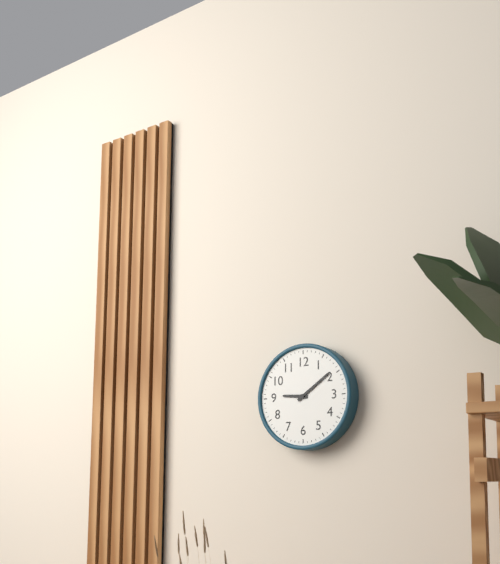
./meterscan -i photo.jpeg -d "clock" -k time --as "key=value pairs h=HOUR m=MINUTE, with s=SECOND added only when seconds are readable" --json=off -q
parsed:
h=9 m=9
